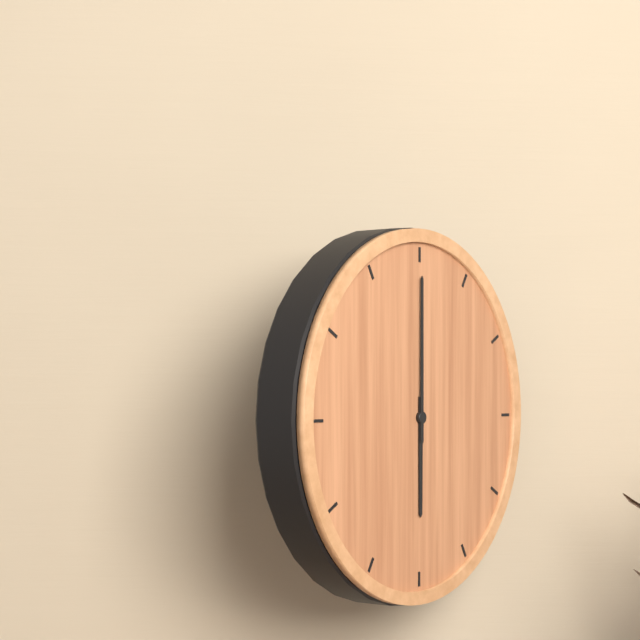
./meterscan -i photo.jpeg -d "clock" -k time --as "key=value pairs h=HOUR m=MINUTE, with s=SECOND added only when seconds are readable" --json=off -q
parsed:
h=6 m=0
